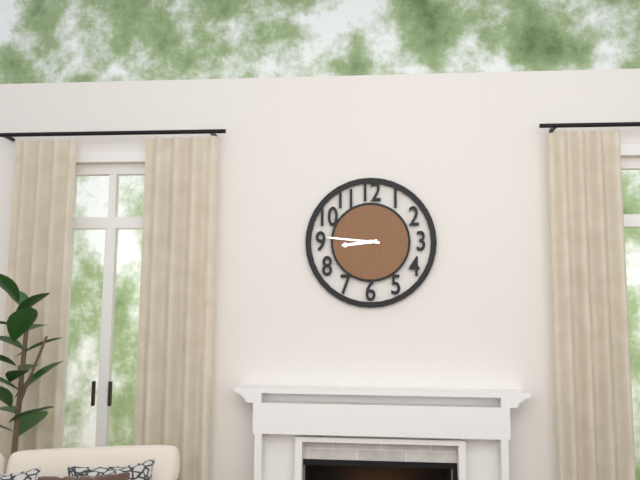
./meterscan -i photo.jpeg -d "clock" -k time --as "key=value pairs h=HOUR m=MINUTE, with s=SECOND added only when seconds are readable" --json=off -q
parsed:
h=8 m=46
